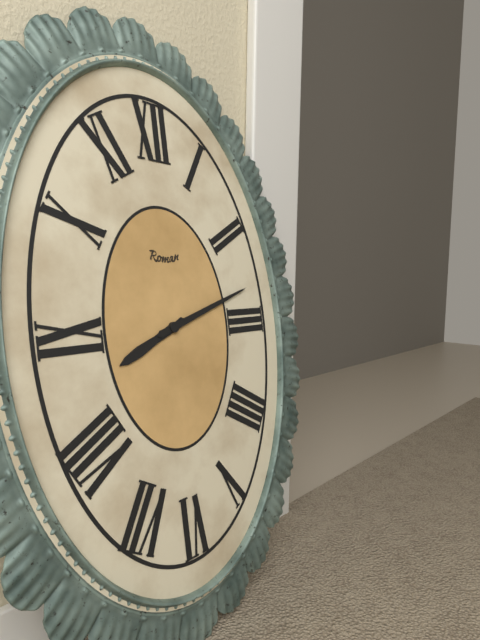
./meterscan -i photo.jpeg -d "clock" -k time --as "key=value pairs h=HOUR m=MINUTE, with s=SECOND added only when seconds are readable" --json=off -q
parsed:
h=8 m=12
